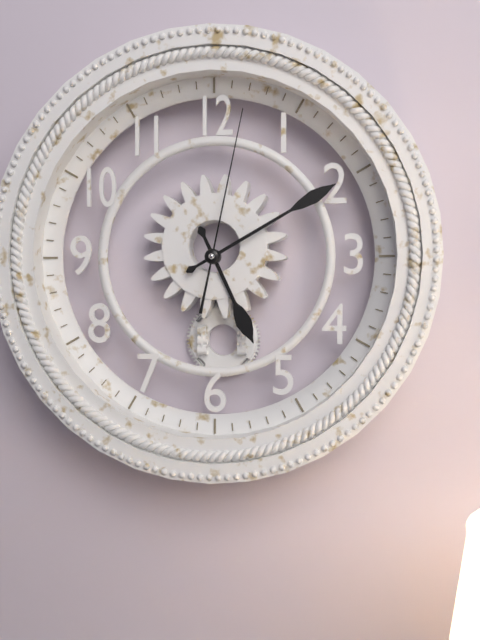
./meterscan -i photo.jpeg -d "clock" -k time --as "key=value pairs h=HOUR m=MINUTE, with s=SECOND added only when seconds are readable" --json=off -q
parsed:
h=5 m=10 s=2
